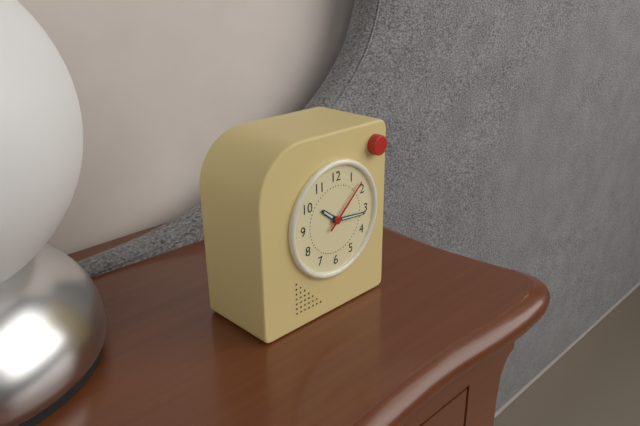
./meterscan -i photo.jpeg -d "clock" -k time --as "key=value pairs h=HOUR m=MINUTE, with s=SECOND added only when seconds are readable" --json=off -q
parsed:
h=10 m=16 s=8
